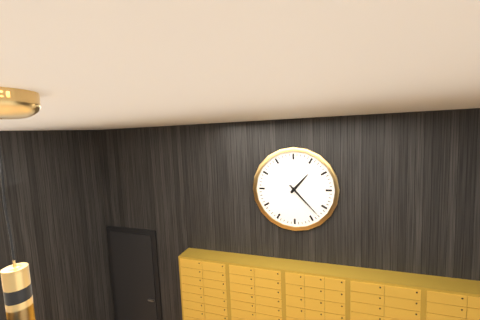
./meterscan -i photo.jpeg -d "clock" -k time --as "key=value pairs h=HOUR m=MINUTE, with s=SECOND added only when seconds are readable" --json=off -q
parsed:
h=1 m=23
